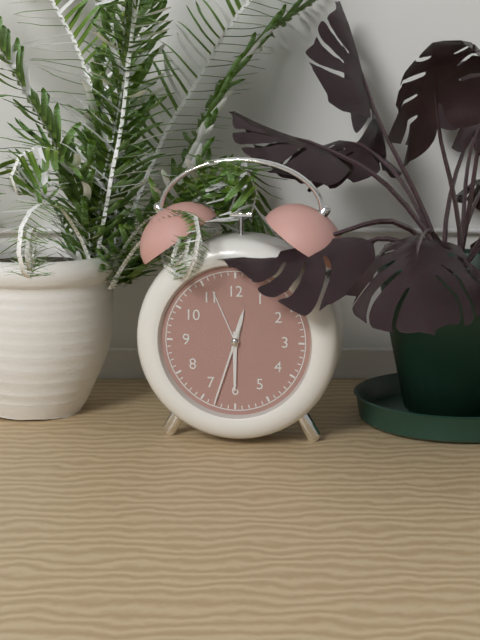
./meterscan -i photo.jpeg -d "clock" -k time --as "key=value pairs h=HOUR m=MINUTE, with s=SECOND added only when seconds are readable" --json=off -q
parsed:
h=12 m=30 s=33
